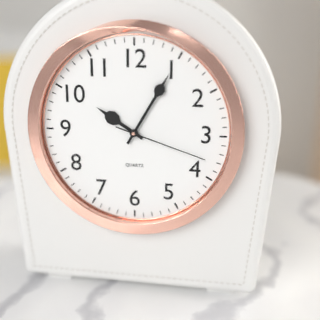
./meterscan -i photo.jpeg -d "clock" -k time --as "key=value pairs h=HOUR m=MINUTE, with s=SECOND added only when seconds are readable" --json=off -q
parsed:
h=10 m=5 s=18
